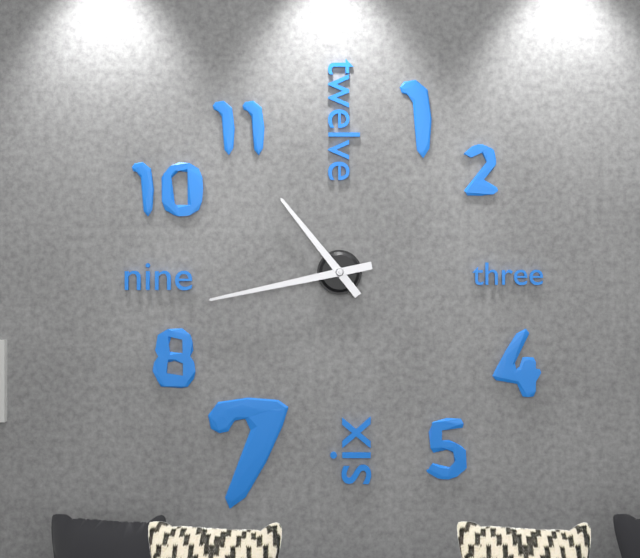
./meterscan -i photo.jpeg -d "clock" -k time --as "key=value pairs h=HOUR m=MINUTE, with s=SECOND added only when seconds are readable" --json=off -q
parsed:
h=10 m=43
